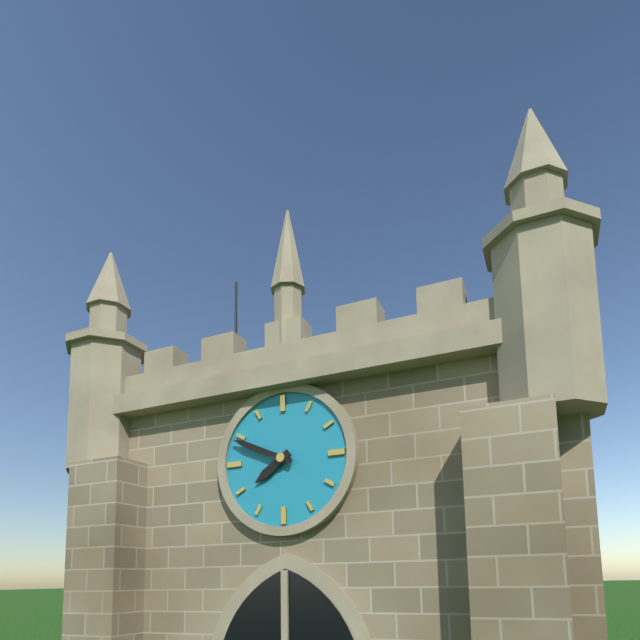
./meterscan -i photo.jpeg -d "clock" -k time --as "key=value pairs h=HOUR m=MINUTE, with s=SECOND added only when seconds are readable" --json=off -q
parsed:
h=7 m=49
